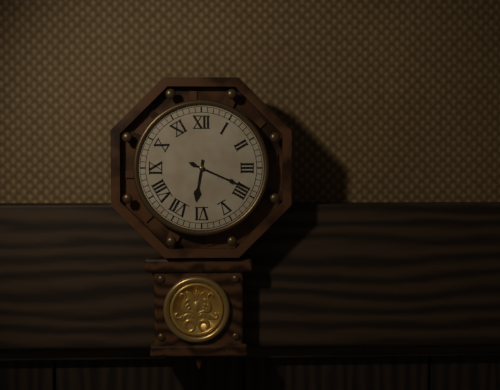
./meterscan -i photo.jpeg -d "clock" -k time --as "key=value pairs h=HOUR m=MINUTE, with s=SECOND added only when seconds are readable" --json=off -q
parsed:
h=6 m=19
